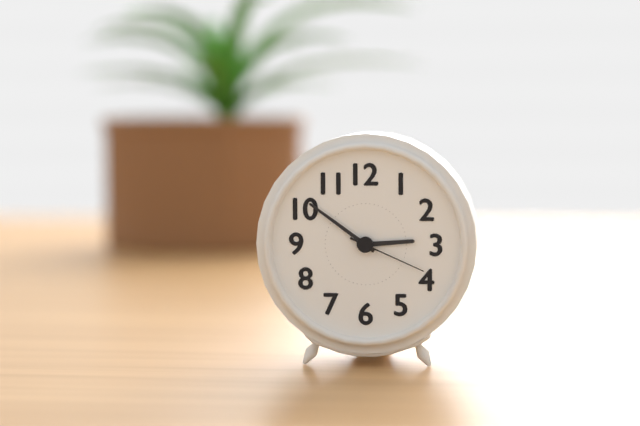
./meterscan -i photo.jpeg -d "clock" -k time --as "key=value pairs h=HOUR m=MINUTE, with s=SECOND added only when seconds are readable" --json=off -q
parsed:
h=2 m=51 s=19
